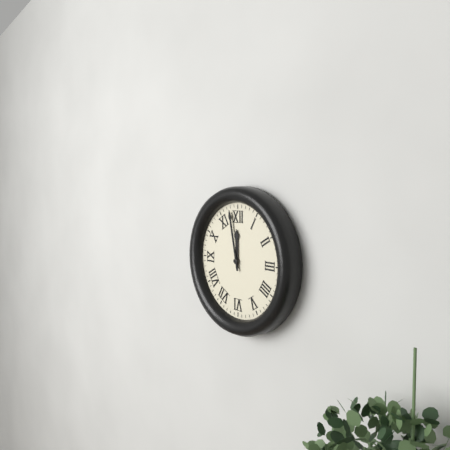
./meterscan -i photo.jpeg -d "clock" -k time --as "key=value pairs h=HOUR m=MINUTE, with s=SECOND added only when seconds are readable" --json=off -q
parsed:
h=11 m=58
